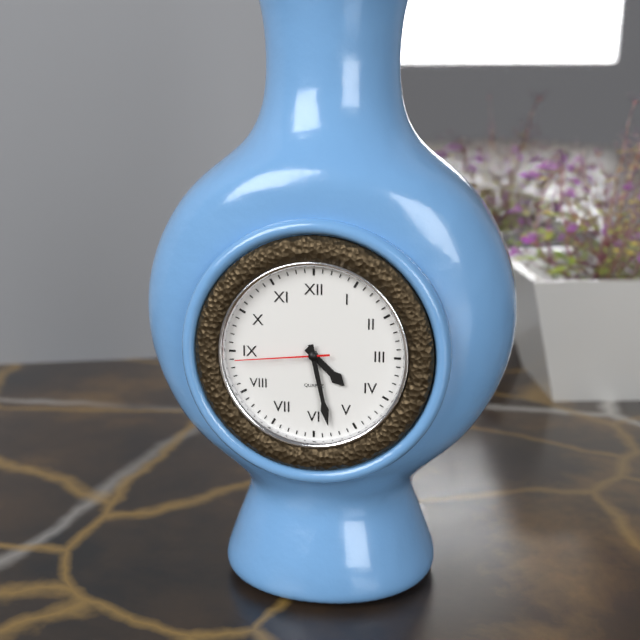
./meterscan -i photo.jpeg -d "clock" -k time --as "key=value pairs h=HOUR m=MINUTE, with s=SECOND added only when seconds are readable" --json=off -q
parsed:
h=4 m=28 s=44
